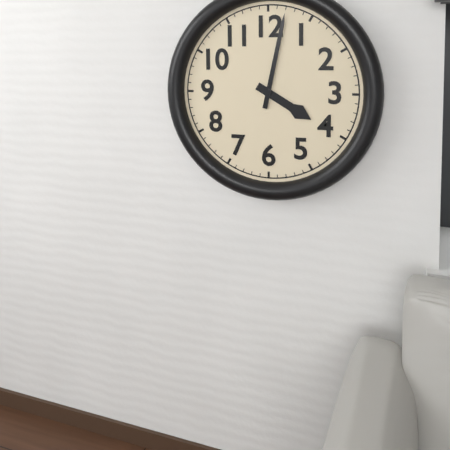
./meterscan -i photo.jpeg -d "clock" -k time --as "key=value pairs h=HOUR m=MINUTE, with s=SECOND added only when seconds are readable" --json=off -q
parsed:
h=4 m=2
